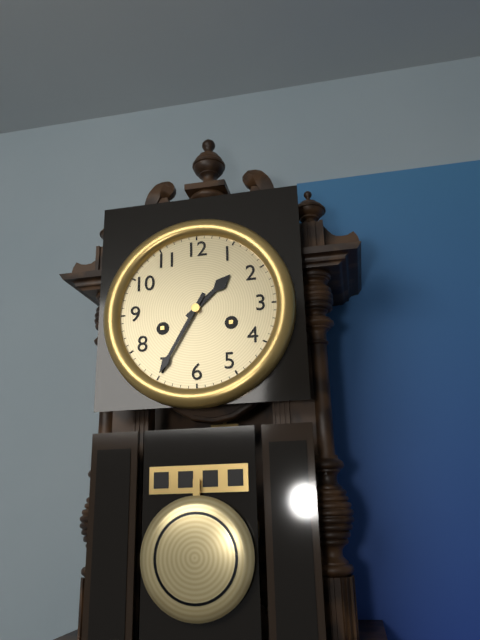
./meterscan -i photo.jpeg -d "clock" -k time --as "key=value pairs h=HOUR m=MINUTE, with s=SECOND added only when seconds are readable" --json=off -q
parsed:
h=1 m=35
